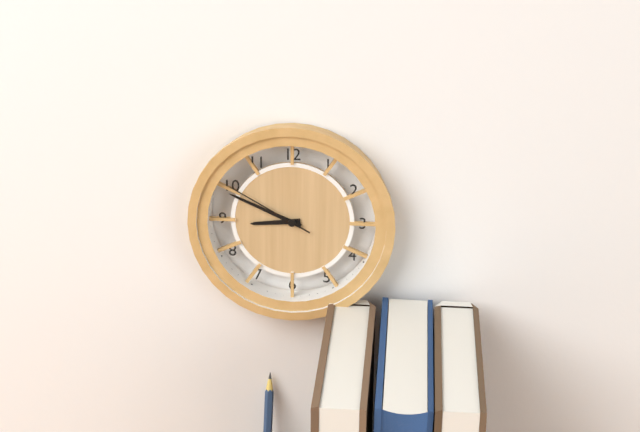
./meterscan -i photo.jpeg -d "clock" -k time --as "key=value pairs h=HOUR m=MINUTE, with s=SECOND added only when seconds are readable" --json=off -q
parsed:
h=8 m=49 s=50
